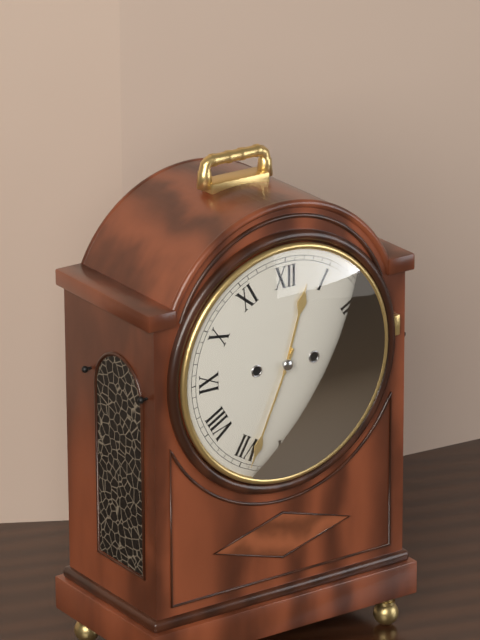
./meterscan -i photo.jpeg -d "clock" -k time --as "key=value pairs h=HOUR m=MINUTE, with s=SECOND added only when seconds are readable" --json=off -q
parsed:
h=12 m=34
